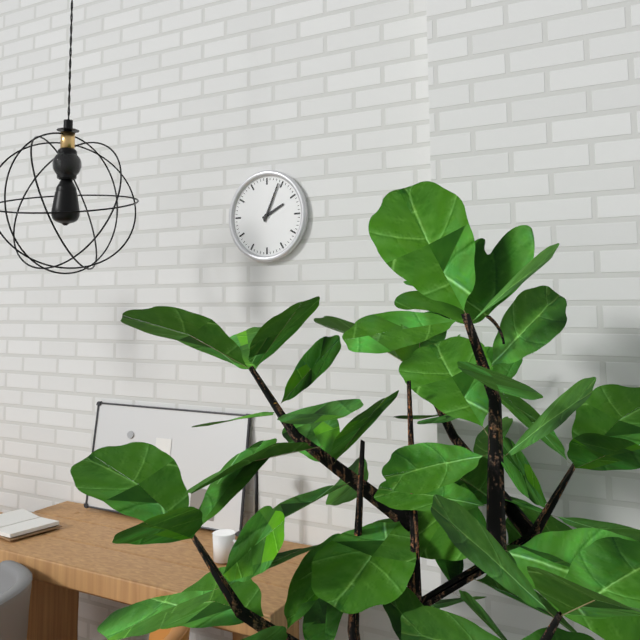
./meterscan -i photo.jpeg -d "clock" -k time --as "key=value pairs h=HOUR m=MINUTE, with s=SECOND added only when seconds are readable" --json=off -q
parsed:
h=2 m=4
